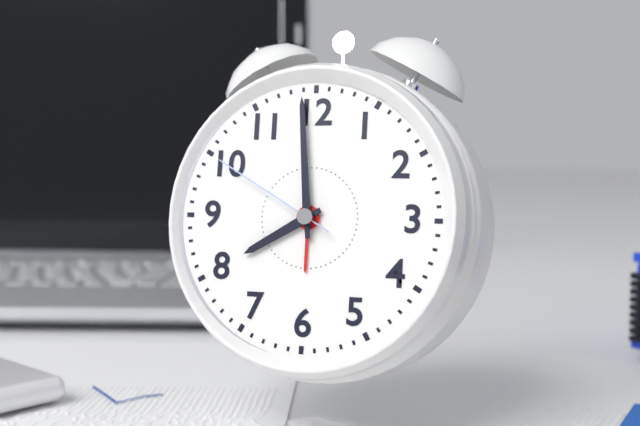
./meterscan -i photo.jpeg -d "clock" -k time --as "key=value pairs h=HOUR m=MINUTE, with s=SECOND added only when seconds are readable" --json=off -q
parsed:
h=7 m=59 s=50
